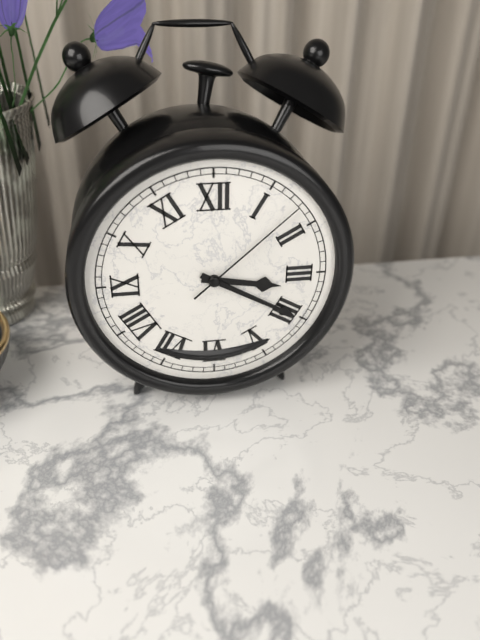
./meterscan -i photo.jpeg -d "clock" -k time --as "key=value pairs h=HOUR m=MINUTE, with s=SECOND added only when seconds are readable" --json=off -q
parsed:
h=3 m=20 s=8
